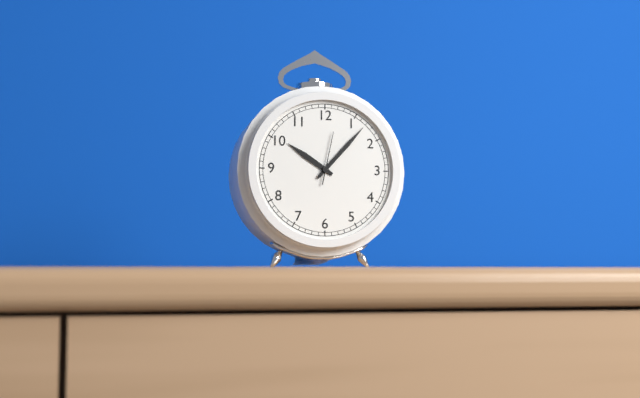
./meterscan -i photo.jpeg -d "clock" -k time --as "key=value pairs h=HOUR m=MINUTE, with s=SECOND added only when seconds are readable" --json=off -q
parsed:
h=10 m=7
